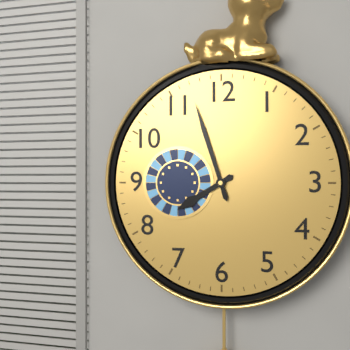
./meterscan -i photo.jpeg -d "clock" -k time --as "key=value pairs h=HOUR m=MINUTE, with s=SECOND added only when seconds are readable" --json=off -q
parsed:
h=7 m=57
